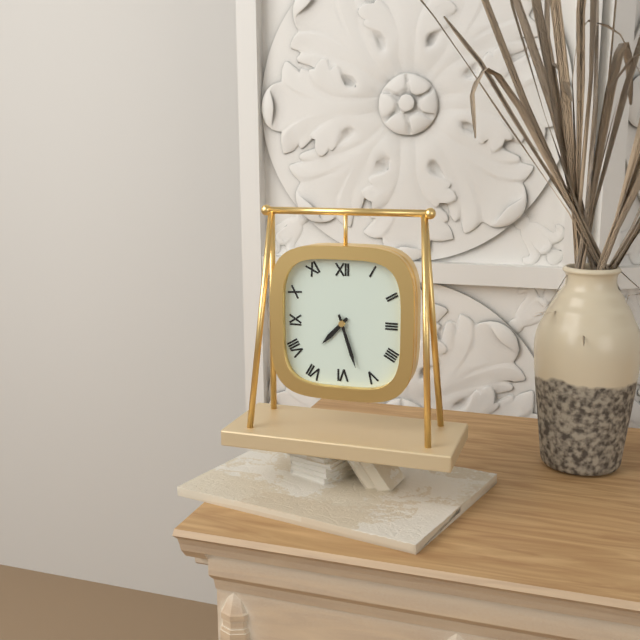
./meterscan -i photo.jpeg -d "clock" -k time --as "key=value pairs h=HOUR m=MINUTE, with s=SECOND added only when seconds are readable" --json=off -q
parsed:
h=7 m=27
